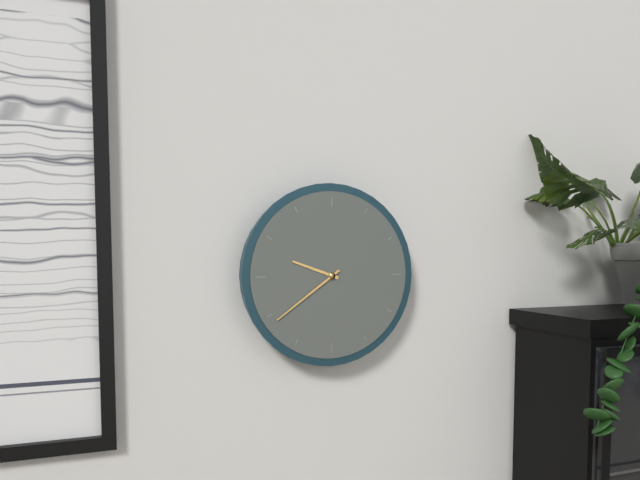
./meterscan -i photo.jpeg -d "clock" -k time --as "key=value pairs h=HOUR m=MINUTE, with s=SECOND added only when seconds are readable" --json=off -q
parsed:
h=9 m=39
